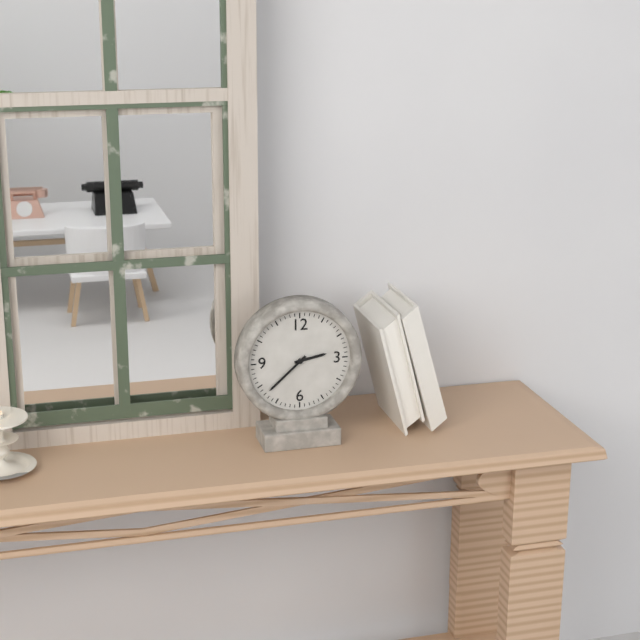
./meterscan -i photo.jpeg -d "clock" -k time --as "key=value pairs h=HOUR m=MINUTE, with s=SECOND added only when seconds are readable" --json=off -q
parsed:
h=2 m=38
